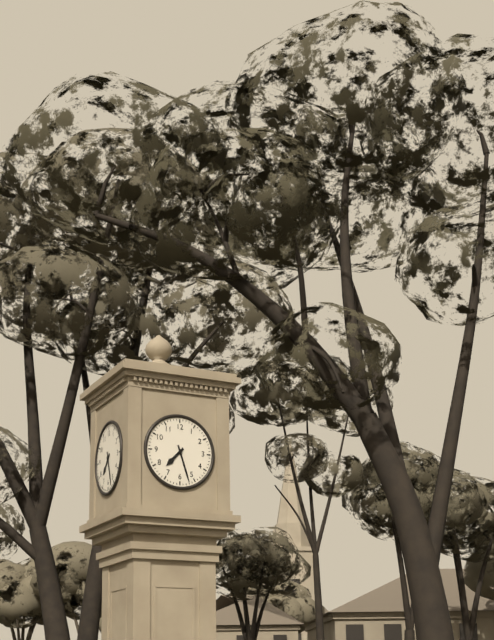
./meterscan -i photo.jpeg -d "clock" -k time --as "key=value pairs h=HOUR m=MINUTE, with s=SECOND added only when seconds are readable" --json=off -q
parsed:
h=7 m=27
